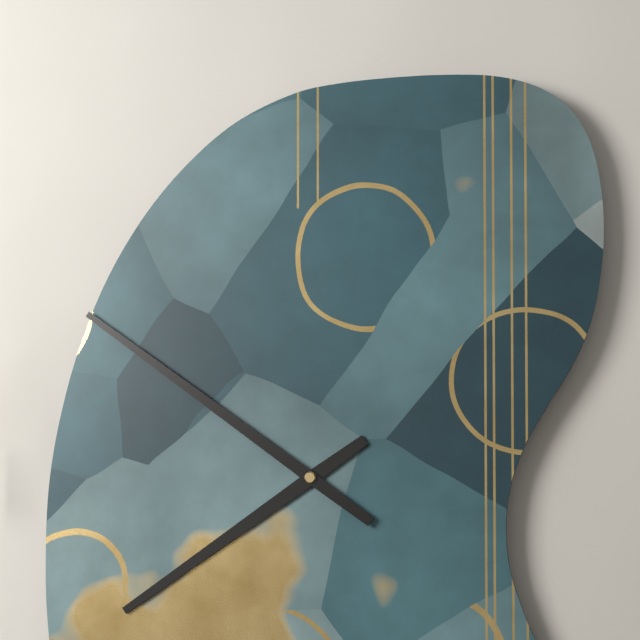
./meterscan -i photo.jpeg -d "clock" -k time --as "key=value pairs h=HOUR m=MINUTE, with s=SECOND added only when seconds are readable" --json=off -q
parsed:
h=7 m=51
